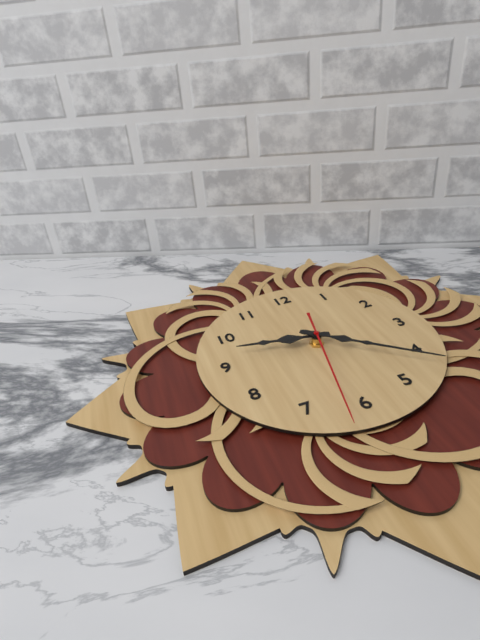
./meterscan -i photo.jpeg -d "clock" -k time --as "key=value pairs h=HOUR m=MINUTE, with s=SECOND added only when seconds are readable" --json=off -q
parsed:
h=9 m=22 s=32
